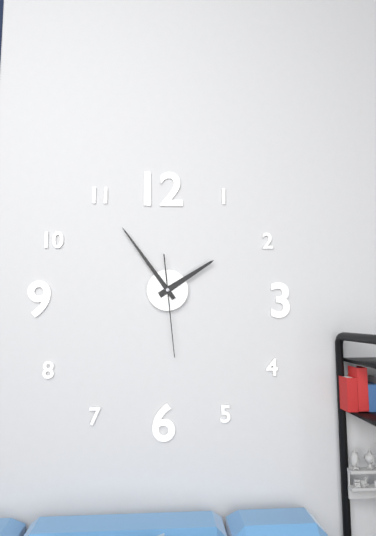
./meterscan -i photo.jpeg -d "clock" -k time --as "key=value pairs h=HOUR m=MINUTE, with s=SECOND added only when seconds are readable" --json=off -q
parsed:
h=1 m=54 s=29
